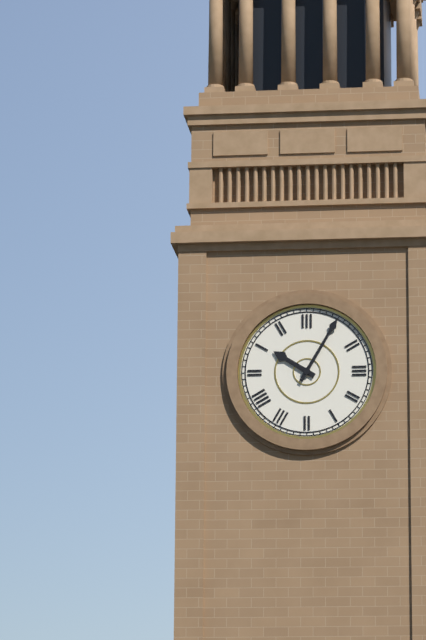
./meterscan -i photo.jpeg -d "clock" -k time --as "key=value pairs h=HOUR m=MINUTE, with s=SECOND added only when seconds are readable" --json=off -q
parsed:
h=10 m=5
